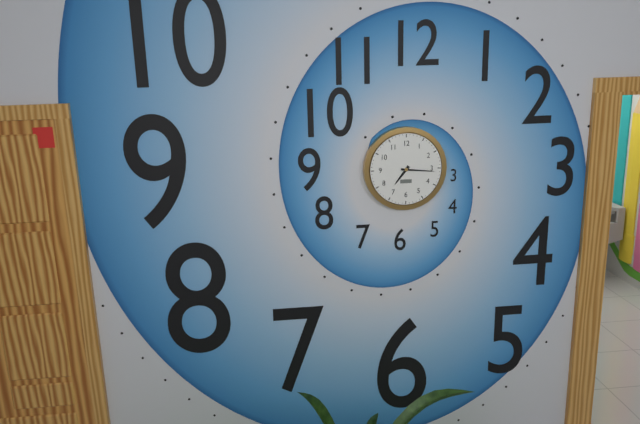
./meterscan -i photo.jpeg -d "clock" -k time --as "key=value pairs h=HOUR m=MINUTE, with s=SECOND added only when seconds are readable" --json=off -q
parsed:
h=7 m=16
